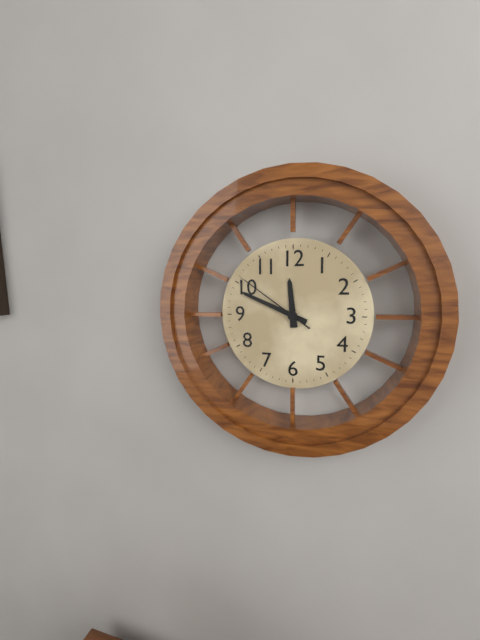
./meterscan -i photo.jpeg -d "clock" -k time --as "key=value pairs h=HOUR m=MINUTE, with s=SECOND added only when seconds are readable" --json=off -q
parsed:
h=11 m=49 s=51
